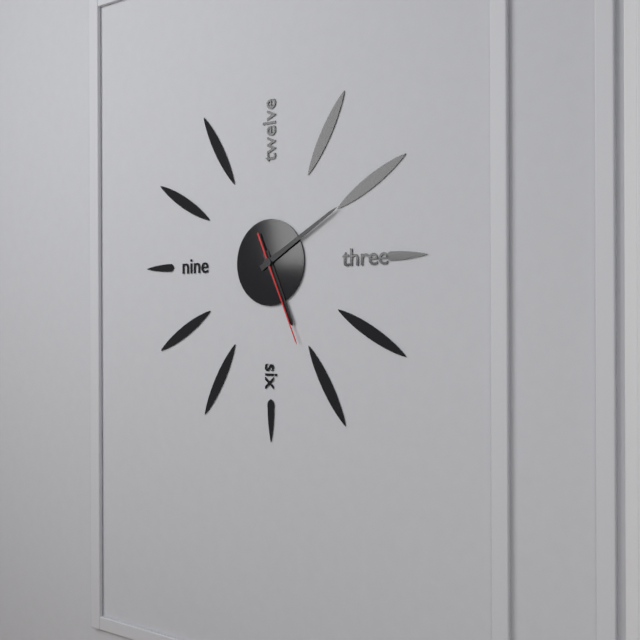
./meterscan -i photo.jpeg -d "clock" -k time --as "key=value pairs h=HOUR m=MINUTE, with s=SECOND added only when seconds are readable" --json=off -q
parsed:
h=5 m=10 s=26
